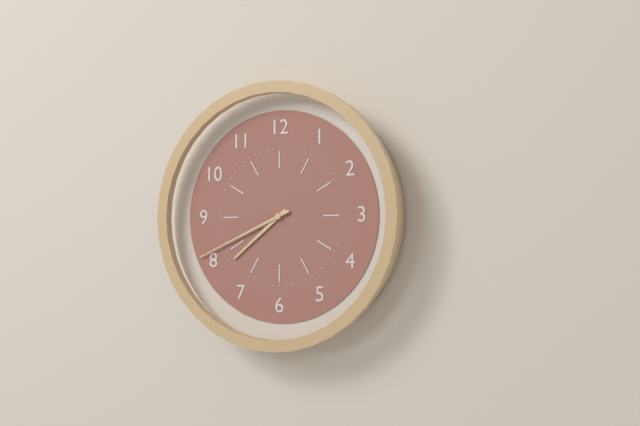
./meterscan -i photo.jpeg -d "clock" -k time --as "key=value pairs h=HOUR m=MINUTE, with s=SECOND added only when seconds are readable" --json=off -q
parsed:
h=7 m=41
